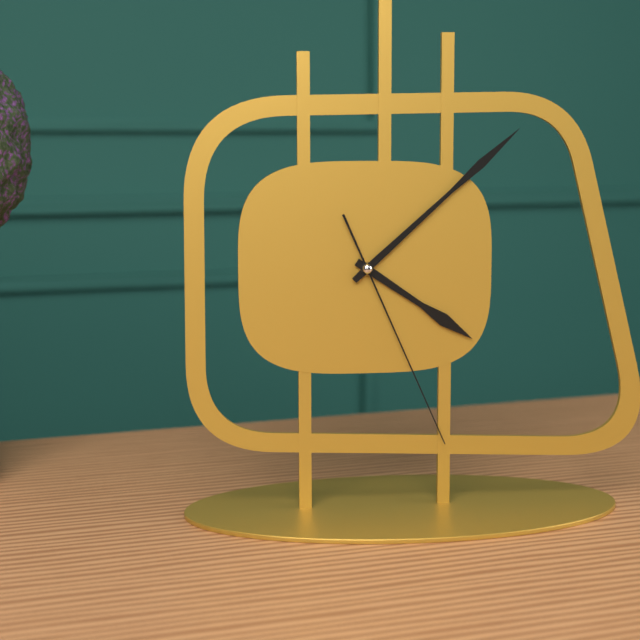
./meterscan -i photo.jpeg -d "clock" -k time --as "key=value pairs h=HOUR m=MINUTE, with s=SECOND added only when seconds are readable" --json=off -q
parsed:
h=4 m=8 s=26
